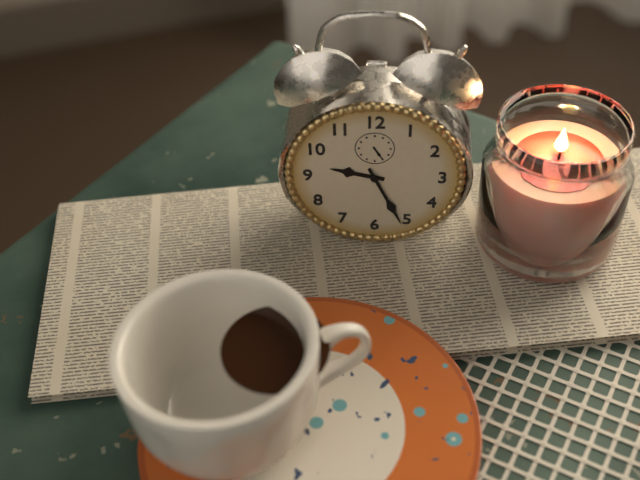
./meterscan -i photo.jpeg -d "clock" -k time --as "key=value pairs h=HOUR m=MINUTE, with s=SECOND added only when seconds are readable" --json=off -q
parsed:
h=9 m=26
